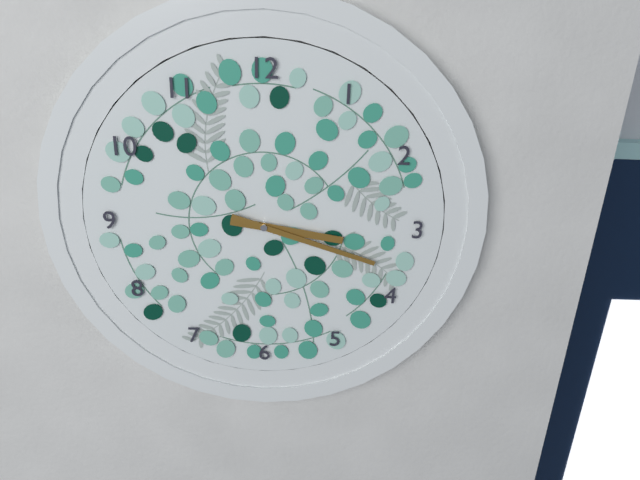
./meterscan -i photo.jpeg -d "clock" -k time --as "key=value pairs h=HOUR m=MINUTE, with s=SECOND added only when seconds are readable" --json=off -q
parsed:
h=3 m=18
